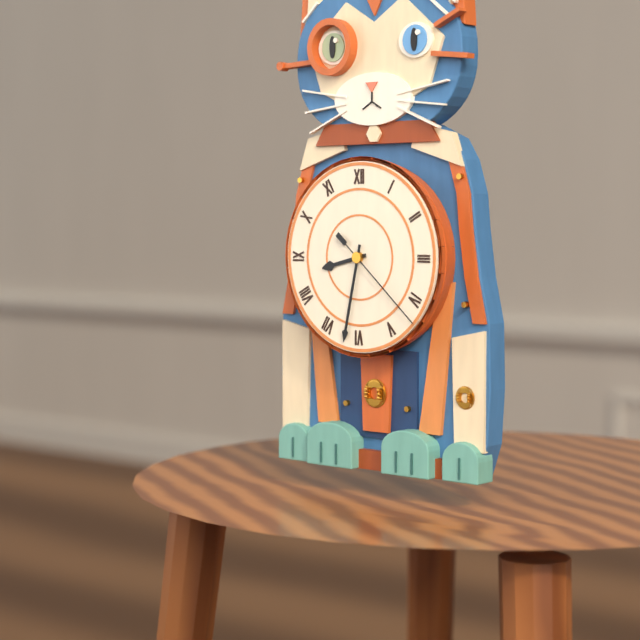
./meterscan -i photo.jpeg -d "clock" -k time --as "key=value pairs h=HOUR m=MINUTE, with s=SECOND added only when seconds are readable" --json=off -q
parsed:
h=8 m=32 s=22
